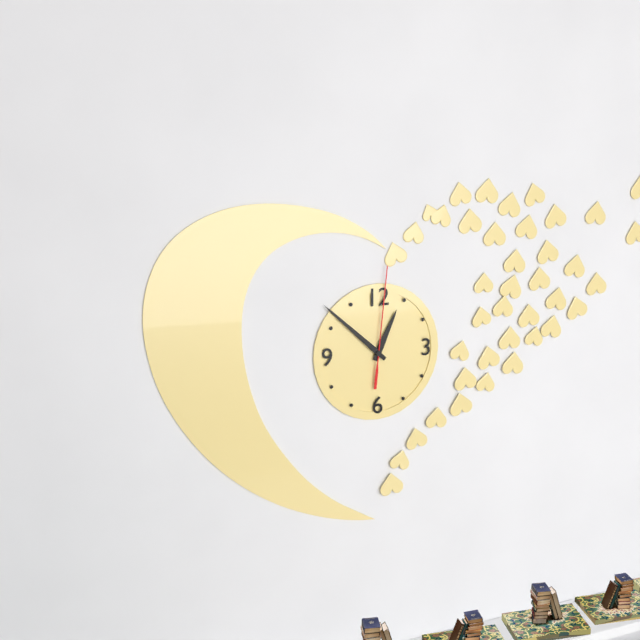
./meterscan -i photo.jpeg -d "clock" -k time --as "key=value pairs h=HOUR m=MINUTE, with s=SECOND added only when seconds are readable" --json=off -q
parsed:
h=12 m=52 s=1
